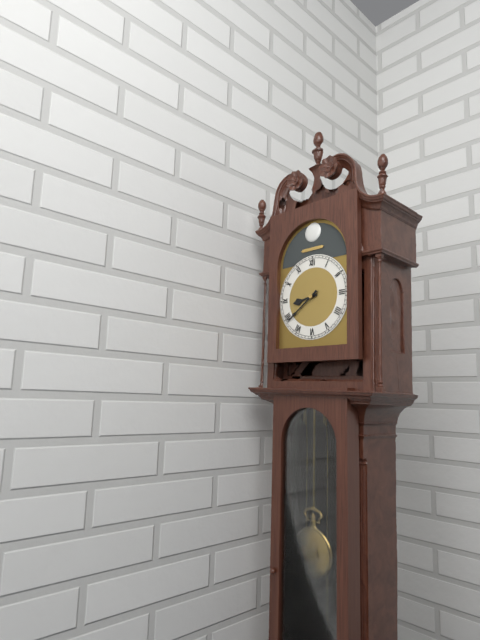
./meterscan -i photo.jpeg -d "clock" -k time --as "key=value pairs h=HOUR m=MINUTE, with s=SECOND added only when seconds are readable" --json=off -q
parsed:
h=8 m=39
